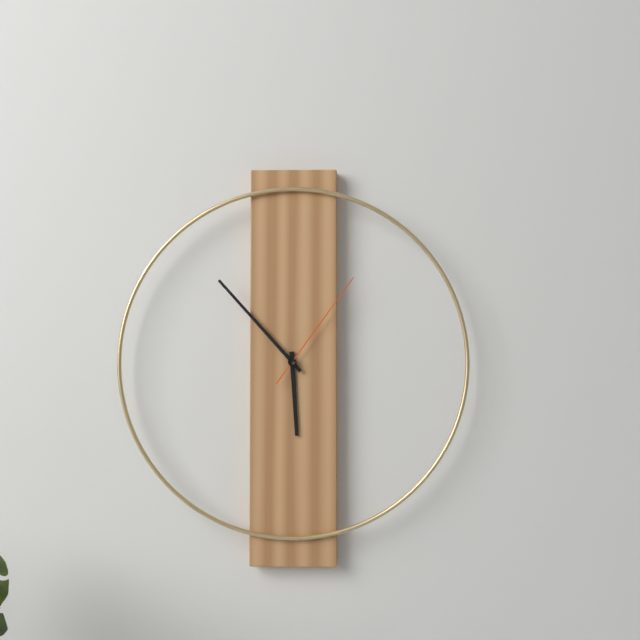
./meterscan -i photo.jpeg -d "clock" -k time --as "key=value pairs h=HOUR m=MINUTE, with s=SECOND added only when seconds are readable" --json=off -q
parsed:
h=5 m=53 s=6
